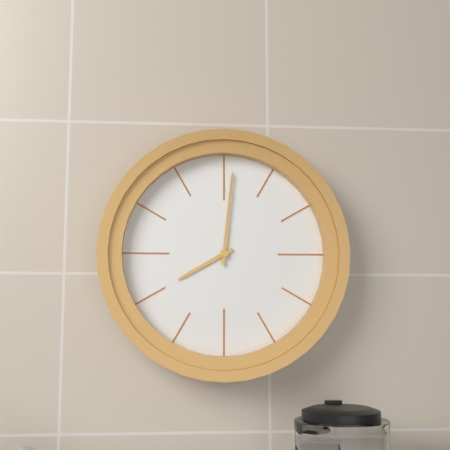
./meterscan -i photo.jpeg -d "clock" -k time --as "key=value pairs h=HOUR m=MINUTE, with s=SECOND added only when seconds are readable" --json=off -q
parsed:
h=8 m=1
